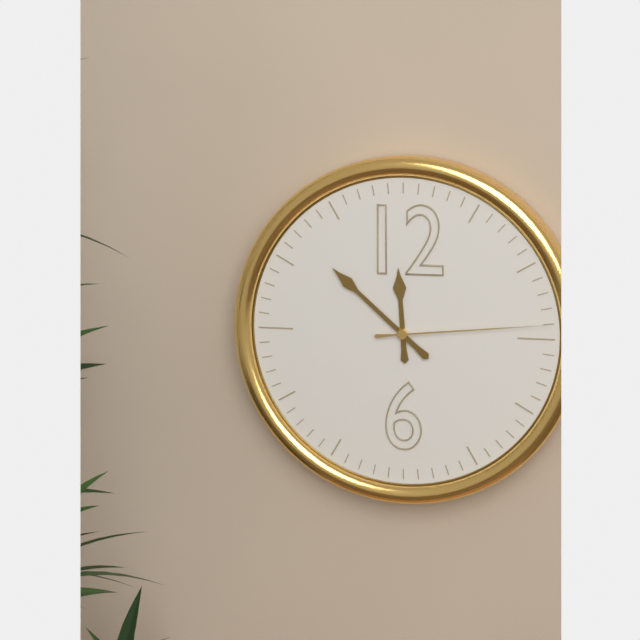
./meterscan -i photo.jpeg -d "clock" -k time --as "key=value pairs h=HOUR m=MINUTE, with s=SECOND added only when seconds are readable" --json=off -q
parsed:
h=11 m=52 s=14
